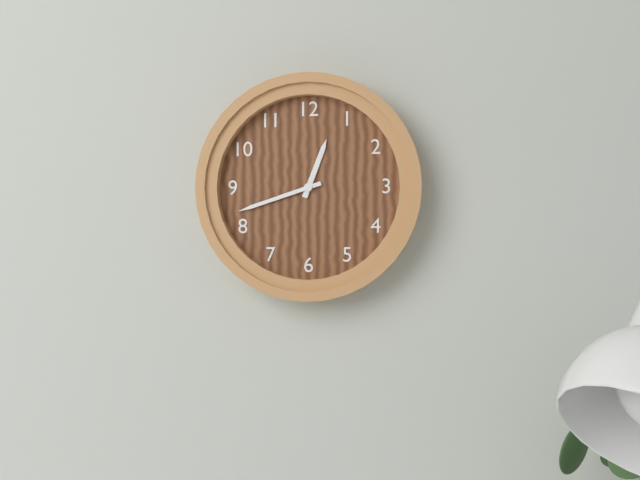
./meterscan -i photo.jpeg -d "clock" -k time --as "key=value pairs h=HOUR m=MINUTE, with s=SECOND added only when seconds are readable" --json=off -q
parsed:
h=12 m=42
